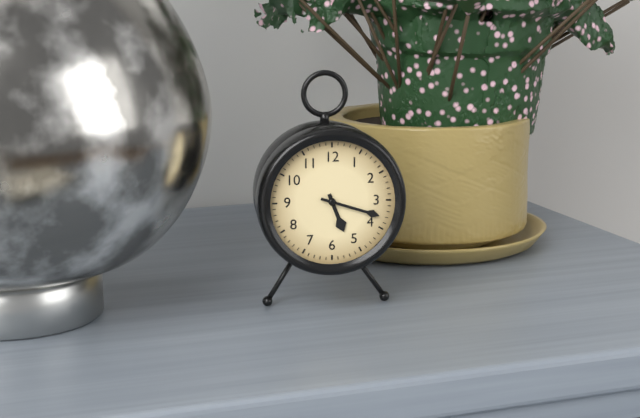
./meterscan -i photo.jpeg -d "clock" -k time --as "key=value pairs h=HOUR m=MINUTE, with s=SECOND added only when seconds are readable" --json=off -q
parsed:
h=5 m=18
